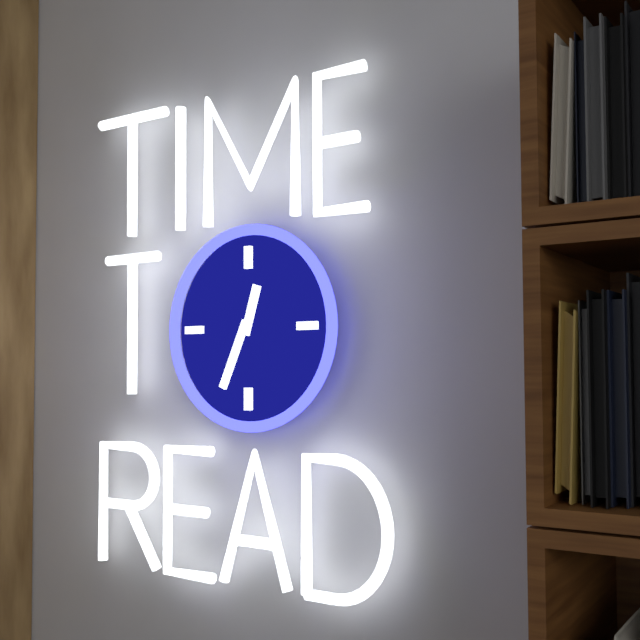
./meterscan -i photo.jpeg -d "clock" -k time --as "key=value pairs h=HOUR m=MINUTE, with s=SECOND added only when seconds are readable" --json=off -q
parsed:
h=12 m=34
